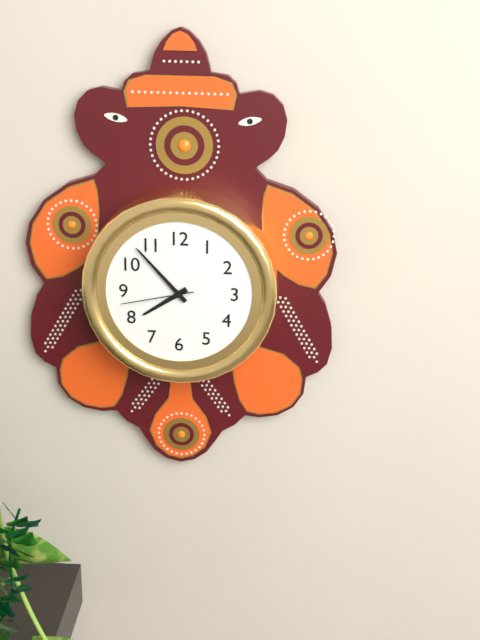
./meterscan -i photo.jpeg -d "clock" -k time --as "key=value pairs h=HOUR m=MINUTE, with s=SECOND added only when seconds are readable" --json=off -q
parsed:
h=7 m=53 s=43
